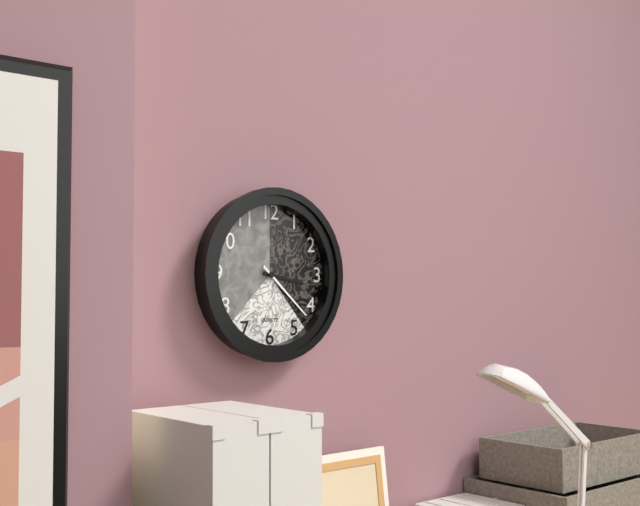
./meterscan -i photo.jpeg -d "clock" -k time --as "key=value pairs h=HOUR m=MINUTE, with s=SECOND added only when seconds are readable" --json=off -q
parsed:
h=3 m=22
